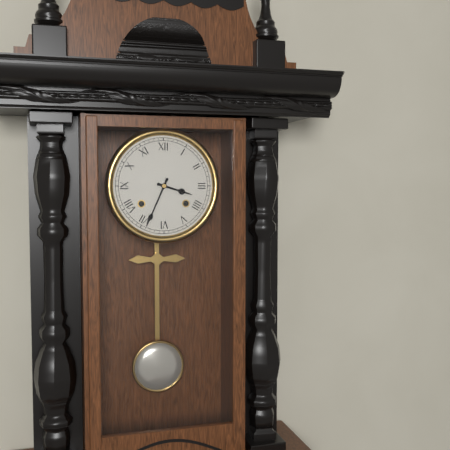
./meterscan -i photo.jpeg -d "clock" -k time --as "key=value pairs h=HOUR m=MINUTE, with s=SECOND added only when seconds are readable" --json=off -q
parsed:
h=3 m=34
